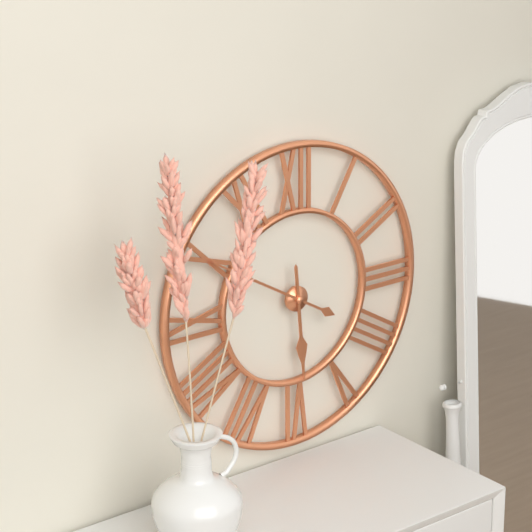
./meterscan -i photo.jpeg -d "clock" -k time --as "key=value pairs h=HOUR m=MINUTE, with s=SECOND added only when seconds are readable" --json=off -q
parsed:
h=5 m=50
